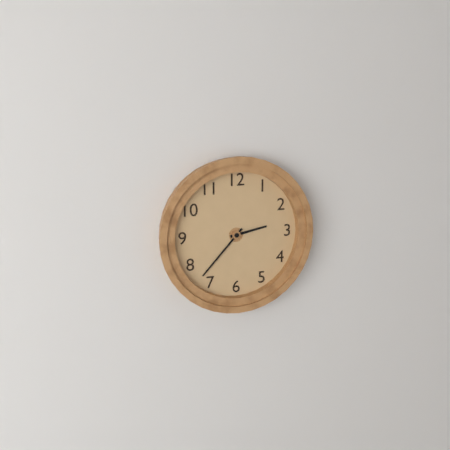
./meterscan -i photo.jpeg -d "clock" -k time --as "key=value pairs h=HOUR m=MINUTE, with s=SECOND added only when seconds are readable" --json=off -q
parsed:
h=2 m=37
